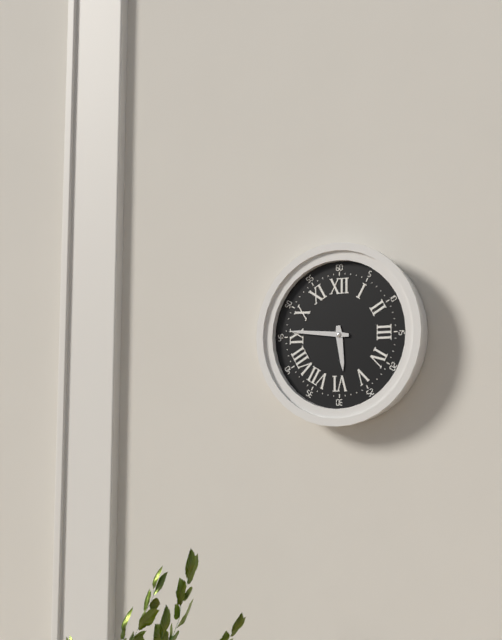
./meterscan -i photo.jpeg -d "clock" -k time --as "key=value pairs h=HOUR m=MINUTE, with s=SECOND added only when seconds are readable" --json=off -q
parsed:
h=5 m=46
